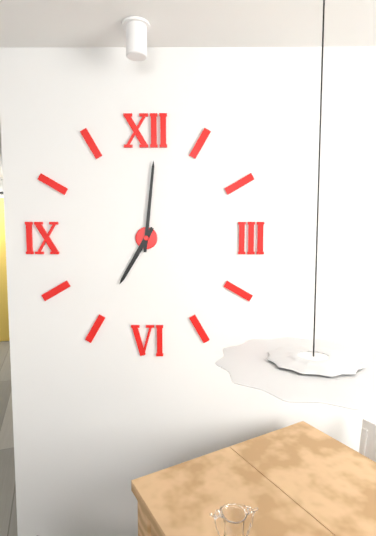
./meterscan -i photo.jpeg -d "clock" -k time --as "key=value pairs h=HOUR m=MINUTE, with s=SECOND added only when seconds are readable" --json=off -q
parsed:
h=7 m=1
